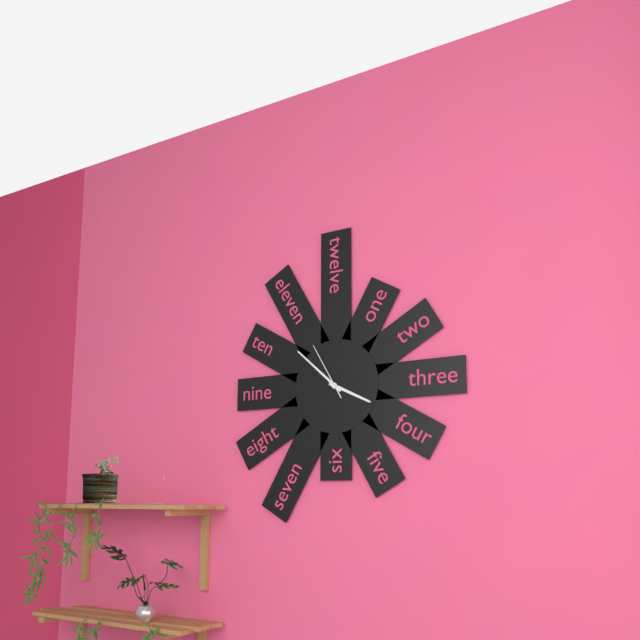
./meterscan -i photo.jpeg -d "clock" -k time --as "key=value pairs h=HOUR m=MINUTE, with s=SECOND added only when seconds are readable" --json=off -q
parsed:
h=3 m=52 s=55
